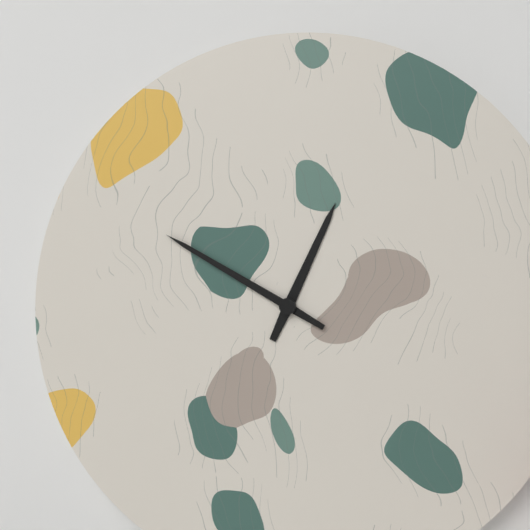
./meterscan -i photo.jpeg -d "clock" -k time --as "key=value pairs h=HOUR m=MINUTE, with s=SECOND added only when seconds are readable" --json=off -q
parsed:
h=12 m=50
